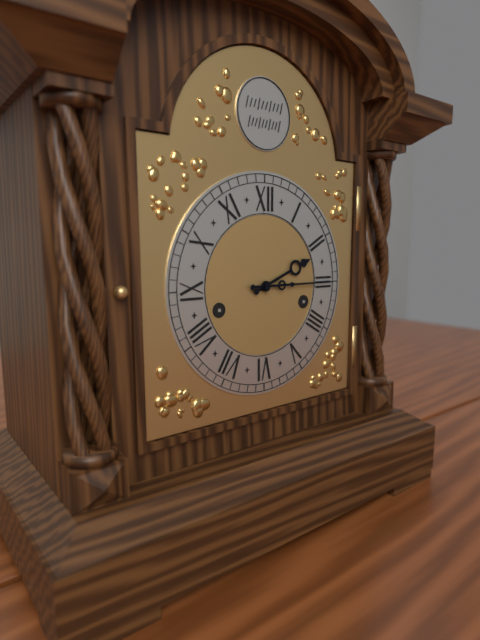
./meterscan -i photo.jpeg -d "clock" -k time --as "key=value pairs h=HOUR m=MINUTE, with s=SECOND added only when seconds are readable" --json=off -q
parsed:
h=2 m=15
